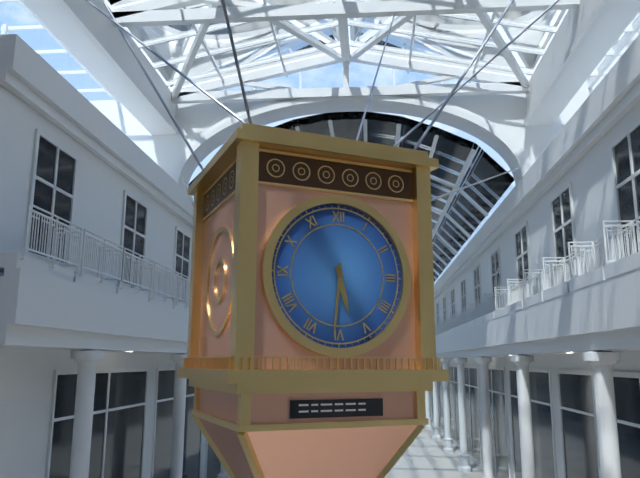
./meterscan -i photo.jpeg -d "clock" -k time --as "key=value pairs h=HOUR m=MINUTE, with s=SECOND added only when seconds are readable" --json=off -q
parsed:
h=5 m=31
